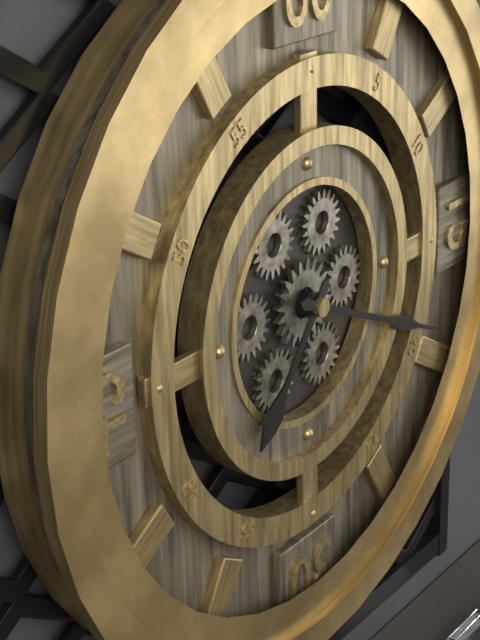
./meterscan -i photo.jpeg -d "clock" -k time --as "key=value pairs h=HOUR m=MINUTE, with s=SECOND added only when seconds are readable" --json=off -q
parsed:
h=7 m=19
